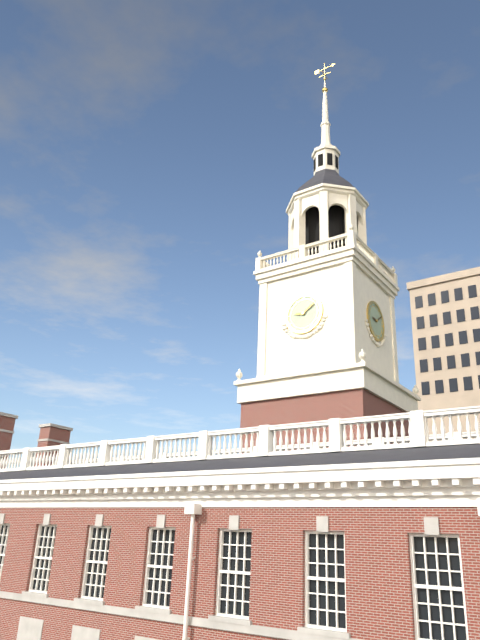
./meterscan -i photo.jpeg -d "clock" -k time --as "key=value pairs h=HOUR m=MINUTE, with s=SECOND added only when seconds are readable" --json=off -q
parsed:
h=9 m=9
